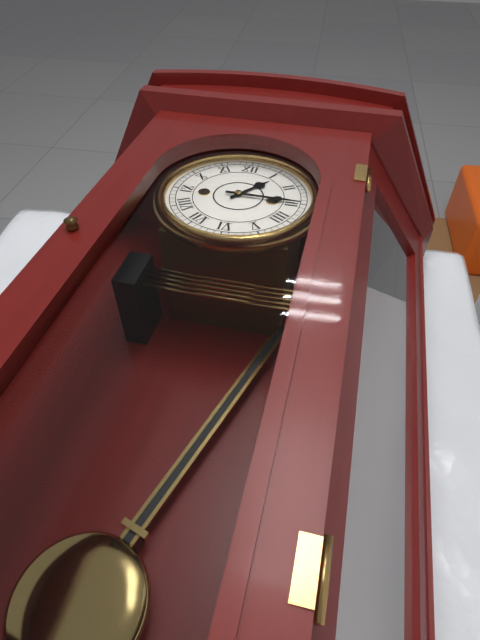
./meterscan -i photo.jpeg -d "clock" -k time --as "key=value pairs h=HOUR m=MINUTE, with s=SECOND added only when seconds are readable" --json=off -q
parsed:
h=1 m=15
